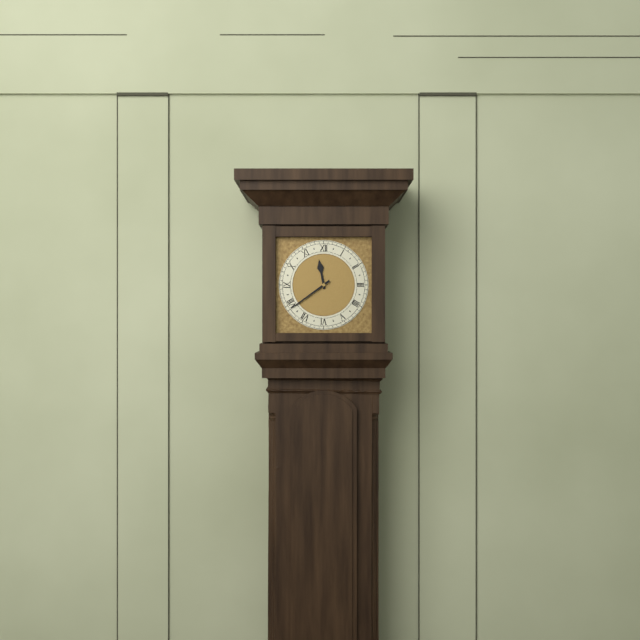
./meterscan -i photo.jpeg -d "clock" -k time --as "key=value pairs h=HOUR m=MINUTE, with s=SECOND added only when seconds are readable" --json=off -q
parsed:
h=11 m=39
